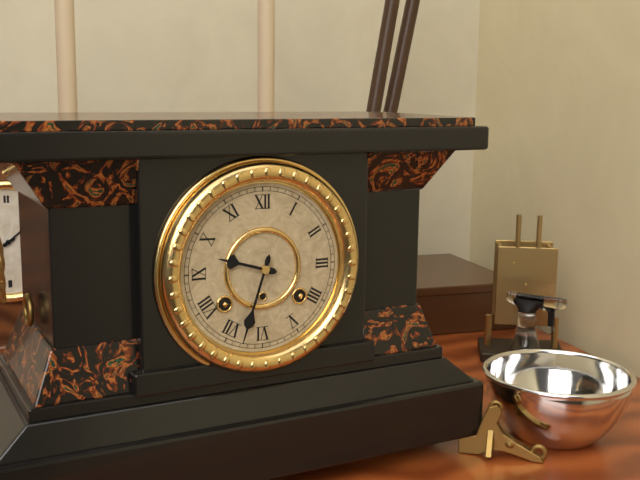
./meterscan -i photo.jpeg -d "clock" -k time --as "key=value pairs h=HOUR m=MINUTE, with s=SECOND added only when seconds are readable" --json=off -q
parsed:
h=9 m=33
